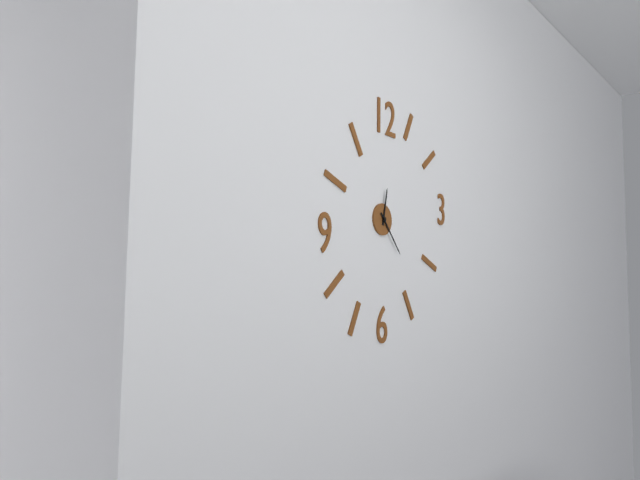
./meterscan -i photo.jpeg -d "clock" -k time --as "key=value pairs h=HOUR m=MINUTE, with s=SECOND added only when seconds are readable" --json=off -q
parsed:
h=12 m=23
